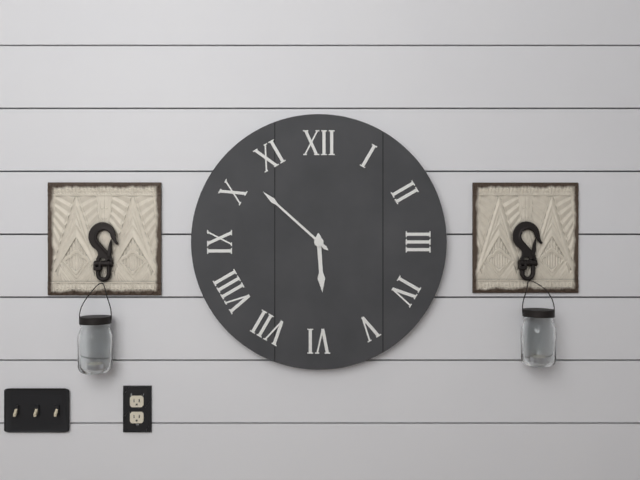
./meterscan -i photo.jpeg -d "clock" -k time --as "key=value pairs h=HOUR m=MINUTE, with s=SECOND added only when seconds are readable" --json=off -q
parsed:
h=5 m=52
